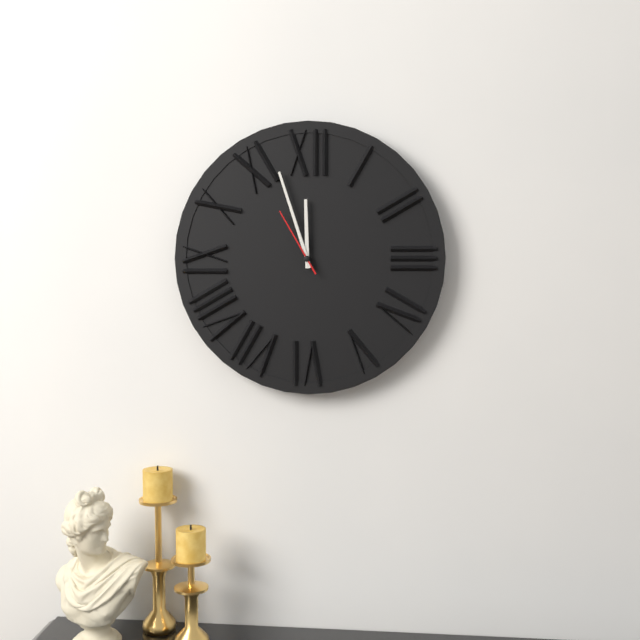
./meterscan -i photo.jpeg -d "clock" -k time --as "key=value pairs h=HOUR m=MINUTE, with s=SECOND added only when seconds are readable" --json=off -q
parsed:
h=11 m=57 s=55
